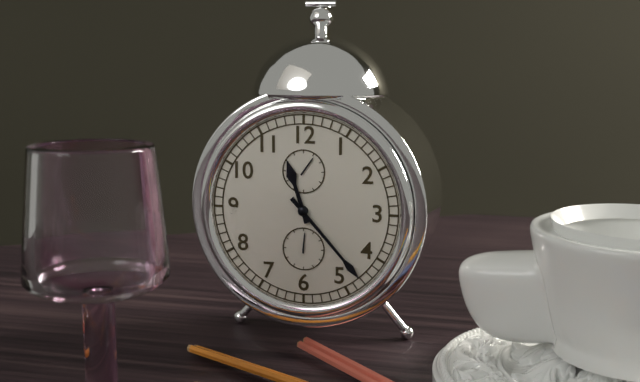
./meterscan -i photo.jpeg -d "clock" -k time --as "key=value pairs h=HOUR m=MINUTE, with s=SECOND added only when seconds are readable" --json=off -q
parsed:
h=11 m=23
